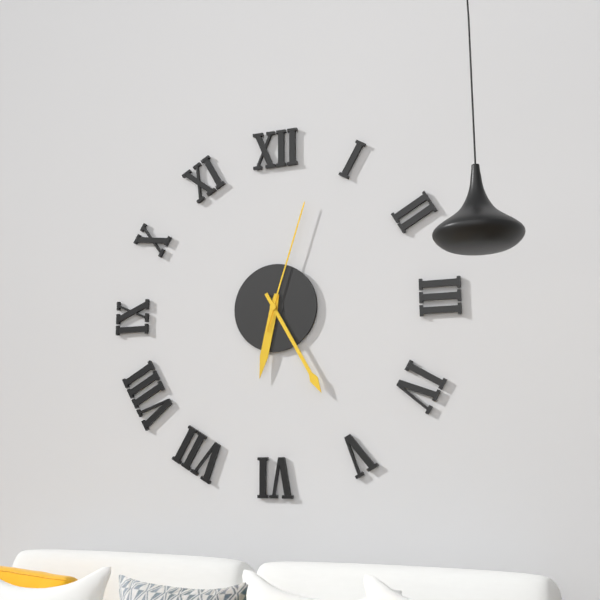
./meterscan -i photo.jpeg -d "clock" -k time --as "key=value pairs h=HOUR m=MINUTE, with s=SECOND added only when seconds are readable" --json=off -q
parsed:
h=6 m=25 s=3
